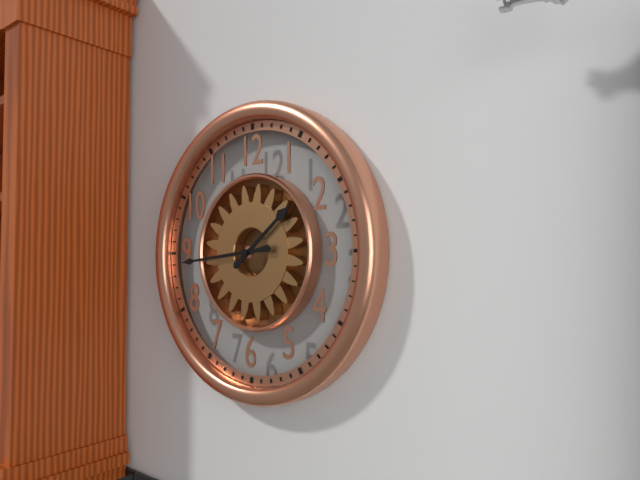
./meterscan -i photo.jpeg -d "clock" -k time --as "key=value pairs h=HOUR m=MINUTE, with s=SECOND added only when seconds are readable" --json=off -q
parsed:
h=1 m=44
